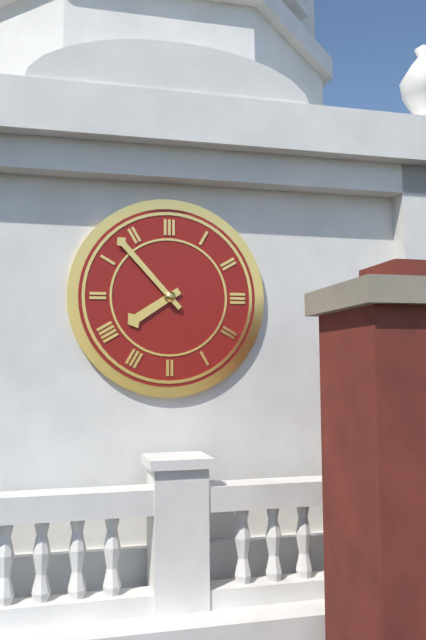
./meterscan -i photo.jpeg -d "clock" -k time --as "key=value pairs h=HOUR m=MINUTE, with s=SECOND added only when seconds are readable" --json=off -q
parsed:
h=7 m=53
